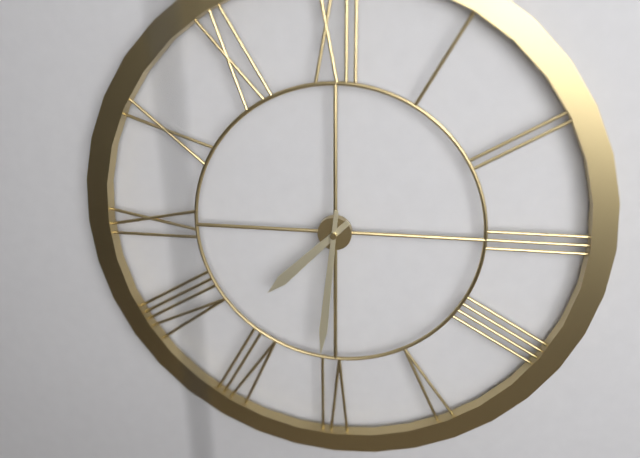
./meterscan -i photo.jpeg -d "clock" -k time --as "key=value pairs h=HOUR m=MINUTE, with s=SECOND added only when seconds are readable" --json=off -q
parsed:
h=7 m=31
